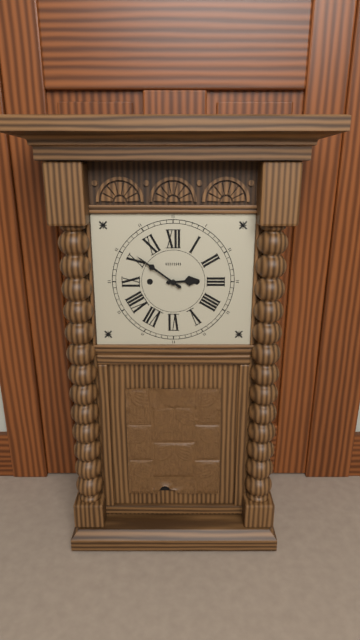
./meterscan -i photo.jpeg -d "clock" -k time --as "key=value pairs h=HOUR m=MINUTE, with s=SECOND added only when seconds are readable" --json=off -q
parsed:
h=2 m=51
